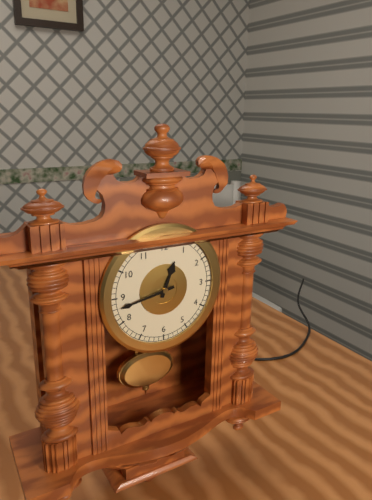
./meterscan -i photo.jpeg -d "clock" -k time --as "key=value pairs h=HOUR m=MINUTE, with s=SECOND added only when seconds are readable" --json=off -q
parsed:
h=12 m=43
